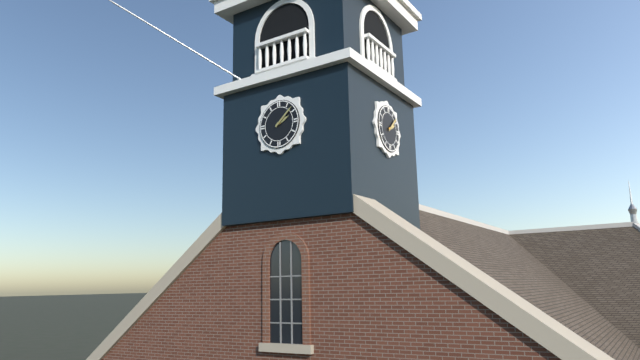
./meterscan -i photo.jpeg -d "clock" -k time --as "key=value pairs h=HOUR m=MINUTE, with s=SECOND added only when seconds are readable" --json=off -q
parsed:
h=2 m=8
